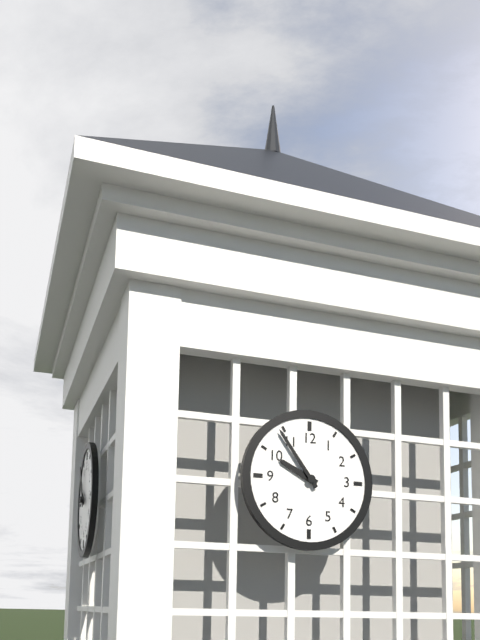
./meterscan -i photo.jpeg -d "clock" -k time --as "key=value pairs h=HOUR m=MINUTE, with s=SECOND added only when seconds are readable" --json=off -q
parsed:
h=9 m=54
